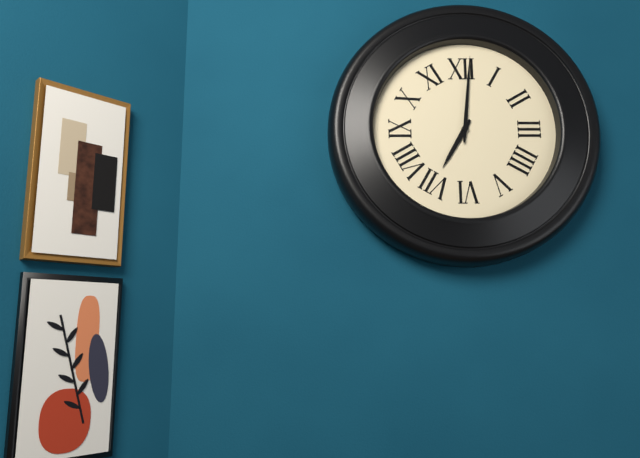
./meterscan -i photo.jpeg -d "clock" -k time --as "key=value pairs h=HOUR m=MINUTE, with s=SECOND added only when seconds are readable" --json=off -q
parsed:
h=7 m=1
